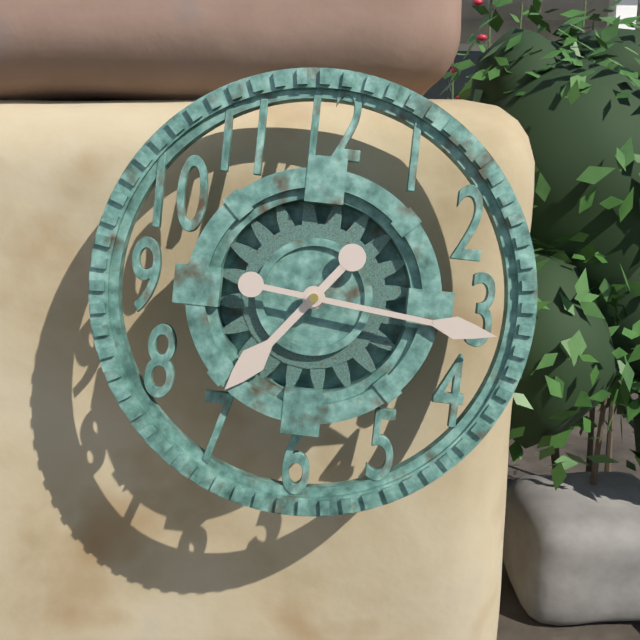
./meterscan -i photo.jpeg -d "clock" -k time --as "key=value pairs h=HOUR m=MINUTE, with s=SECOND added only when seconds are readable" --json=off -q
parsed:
h=7 m=16
